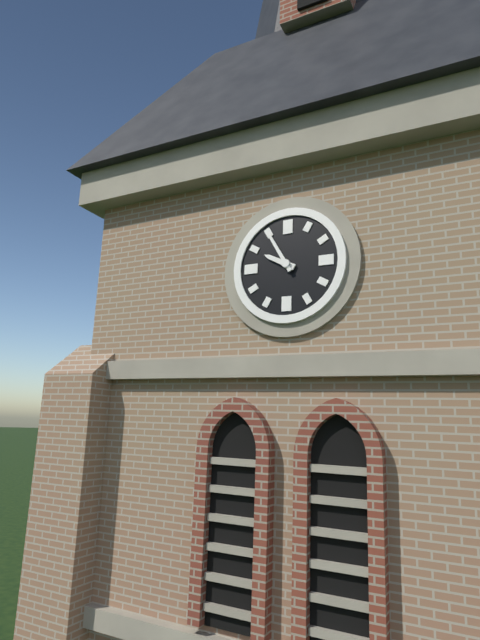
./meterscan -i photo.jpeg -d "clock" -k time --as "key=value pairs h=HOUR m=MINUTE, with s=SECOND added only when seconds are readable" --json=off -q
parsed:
h=9 m=55
